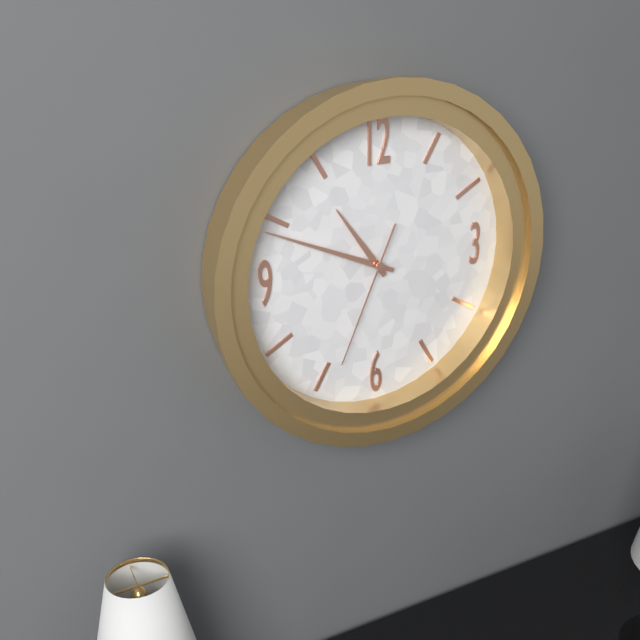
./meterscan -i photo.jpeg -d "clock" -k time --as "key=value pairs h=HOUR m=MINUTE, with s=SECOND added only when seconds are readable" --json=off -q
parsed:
h=10 m=49 s=34
